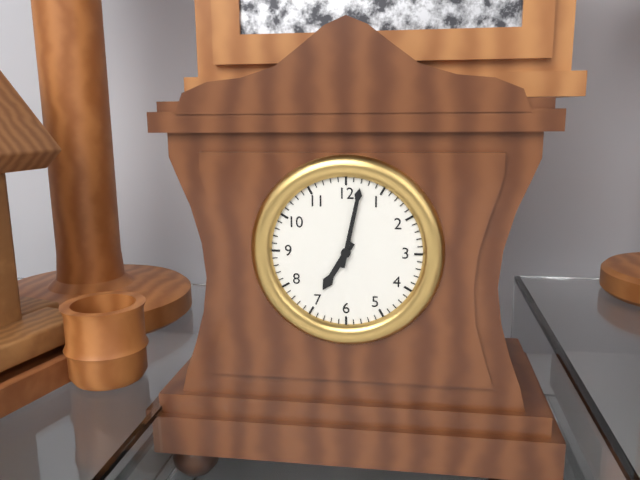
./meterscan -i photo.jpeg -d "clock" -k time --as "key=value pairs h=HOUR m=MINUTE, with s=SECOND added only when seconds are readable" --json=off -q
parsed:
h=7 m=2
